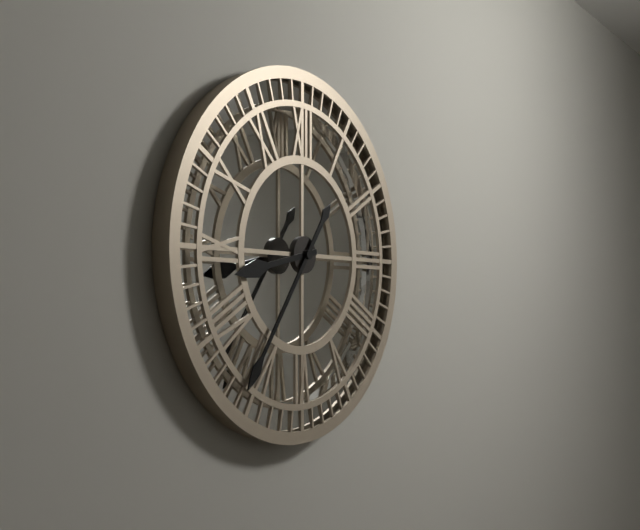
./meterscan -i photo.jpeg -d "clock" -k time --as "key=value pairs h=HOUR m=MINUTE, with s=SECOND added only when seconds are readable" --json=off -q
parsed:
h=8 m=36
